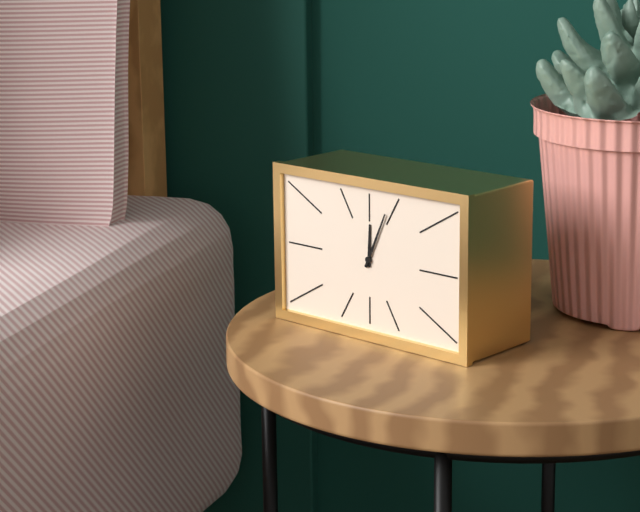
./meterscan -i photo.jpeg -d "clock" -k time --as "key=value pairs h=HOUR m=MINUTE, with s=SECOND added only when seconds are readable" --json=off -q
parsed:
h=12 m=4
